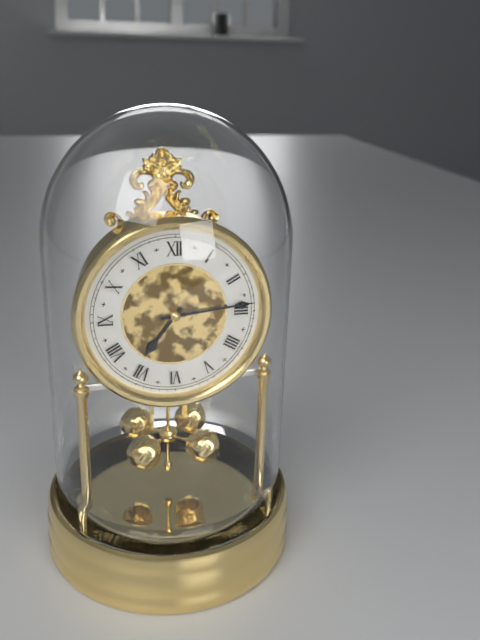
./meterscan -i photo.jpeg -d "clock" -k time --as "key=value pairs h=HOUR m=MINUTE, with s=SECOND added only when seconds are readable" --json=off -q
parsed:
h=7 m=14
